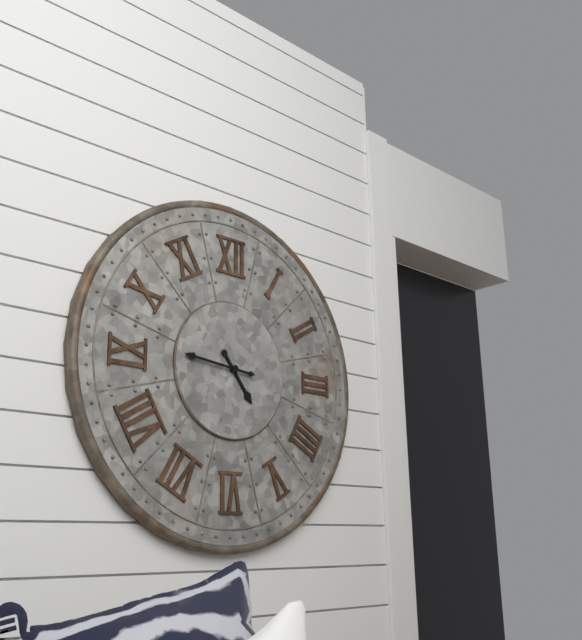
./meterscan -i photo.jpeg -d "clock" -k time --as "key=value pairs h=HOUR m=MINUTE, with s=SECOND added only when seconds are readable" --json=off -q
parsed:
h=4 m=46
